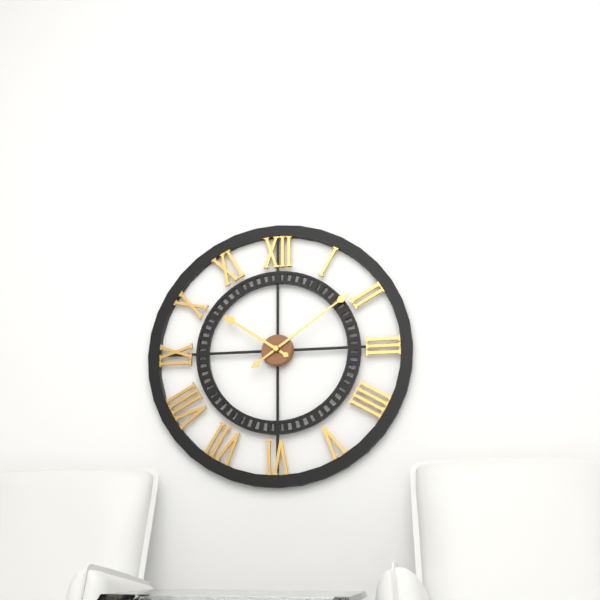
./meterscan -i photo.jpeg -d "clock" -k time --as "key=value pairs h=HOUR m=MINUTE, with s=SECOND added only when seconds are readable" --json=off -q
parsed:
h=10 m=9
